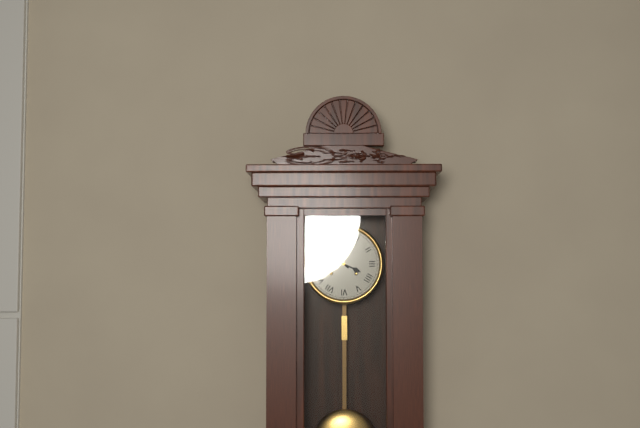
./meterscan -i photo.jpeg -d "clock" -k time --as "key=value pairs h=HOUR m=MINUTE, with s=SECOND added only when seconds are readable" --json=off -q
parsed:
h=3 m=52
